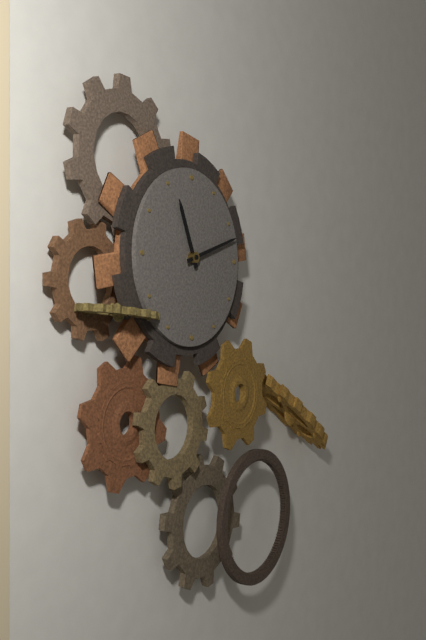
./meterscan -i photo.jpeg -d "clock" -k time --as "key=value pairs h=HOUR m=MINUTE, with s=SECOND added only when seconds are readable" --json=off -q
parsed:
h=11 m=12
